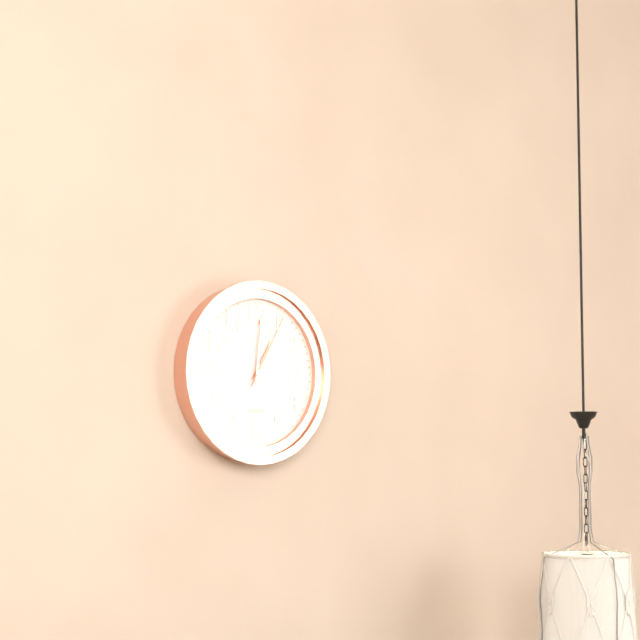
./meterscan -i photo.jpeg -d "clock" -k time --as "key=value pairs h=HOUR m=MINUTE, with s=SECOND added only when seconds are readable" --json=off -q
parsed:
h=1 m=1 s=5
